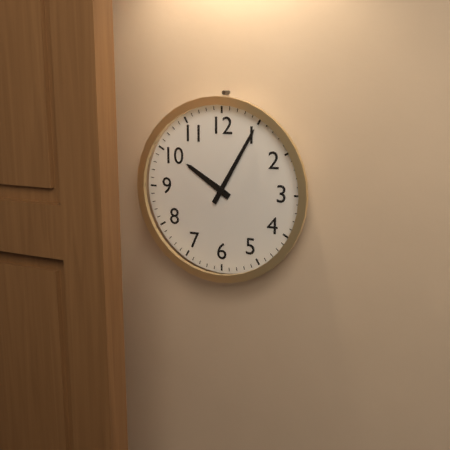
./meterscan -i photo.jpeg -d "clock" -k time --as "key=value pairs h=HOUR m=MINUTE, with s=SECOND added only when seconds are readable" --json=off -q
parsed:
h=10 m=5
